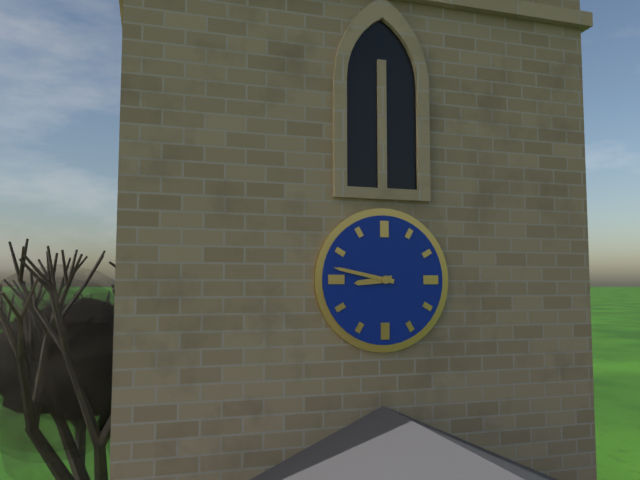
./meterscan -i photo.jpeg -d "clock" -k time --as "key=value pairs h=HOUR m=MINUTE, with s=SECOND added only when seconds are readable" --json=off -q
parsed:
h=8 m=47
